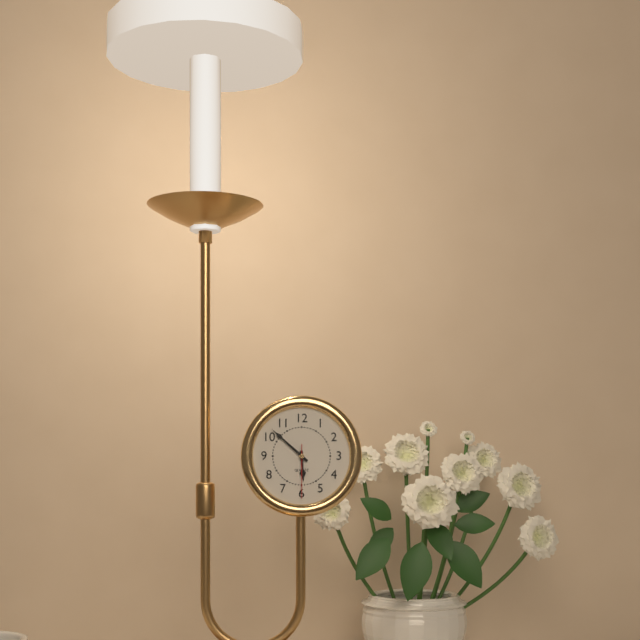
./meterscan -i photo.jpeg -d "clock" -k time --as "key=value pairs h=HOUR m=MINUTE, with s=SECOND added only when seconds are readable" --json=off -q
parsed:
h=5 m=52 s=30
